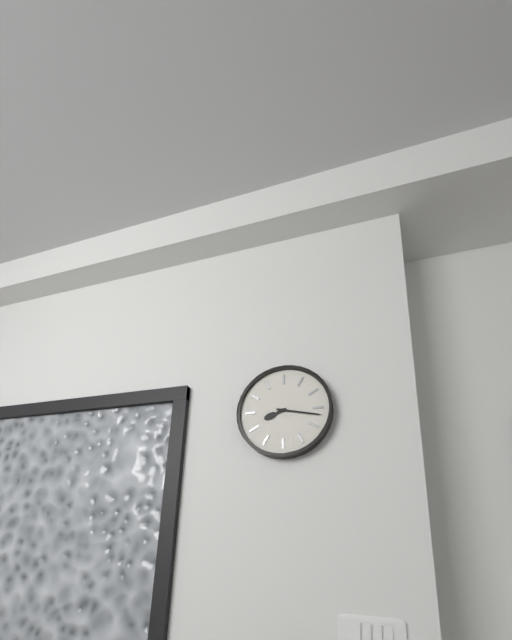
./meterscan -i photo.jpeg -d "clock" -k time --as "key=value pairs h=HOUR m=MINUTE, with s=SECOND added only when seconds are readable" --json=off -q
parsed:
h=8 m=17
